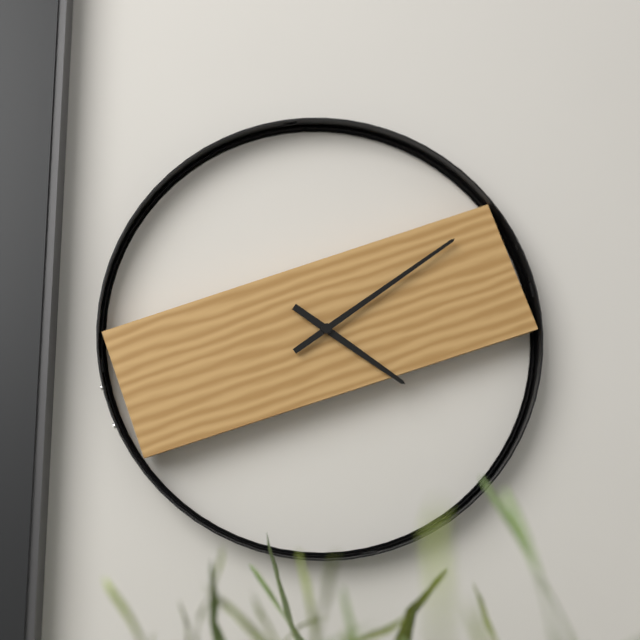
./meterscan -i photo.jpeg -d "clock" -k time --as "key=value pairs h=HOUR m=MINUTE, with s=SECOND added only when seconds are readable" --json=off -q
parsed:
h=4 m=9
